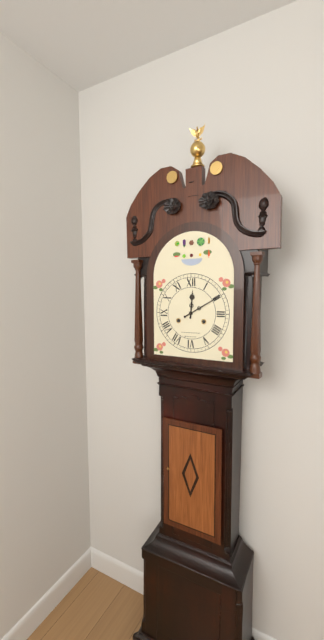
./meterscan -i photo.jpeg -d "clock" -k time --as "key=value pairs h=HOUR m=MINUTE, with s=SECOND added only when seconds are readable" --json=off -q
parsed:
h=12 m=10
